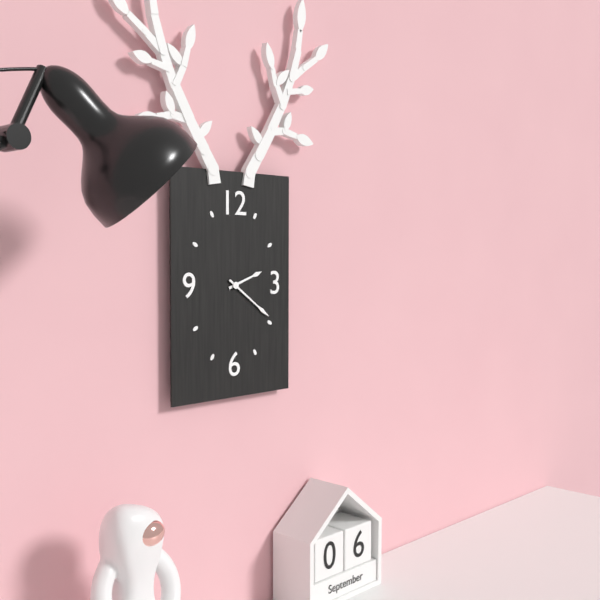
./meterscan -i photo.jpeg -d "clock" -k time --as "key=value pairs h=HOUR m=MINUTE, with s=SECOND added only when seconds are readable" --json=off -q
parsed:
h=2 m=21
